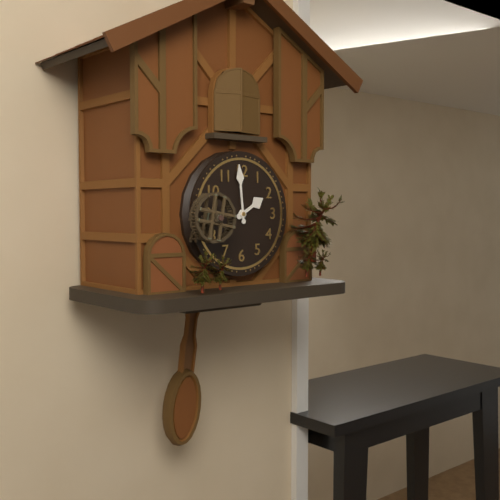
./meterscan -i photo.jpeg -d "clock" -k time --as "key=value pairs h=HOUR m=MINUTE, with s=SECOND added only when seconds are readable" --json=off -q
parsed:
h=1 m=59
